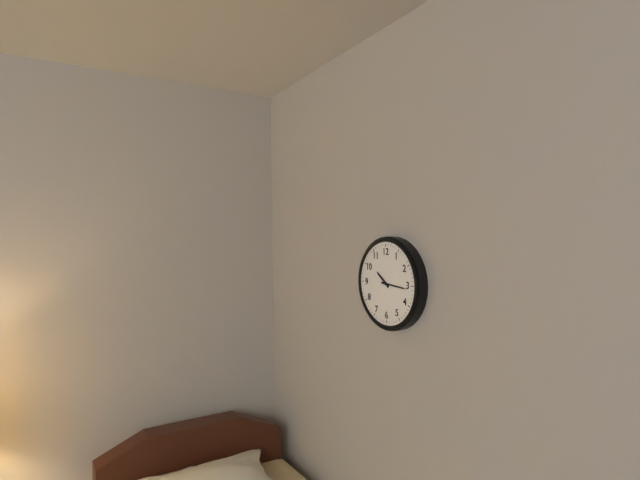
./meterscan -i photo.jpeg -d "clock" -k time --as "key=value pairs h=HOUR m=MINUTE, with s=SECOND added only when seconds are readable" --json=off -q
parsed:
h=10 m=16
